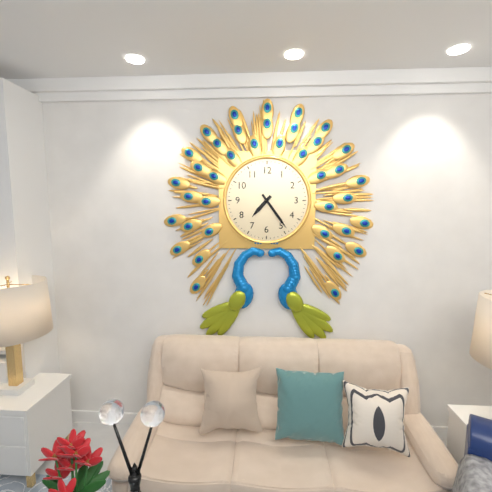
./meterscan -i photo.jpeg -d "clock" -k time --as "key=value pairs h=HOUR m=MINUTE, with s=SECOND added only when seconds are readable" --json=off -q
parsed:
h=7 m=24
